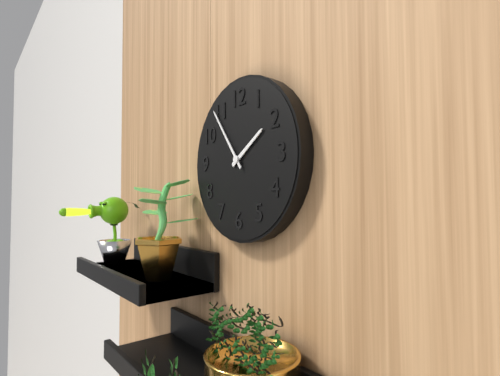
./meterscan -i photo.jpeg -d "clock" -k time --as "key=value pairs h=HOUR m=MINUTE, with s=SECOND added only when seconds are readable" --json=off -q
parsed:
h=1 m=54
